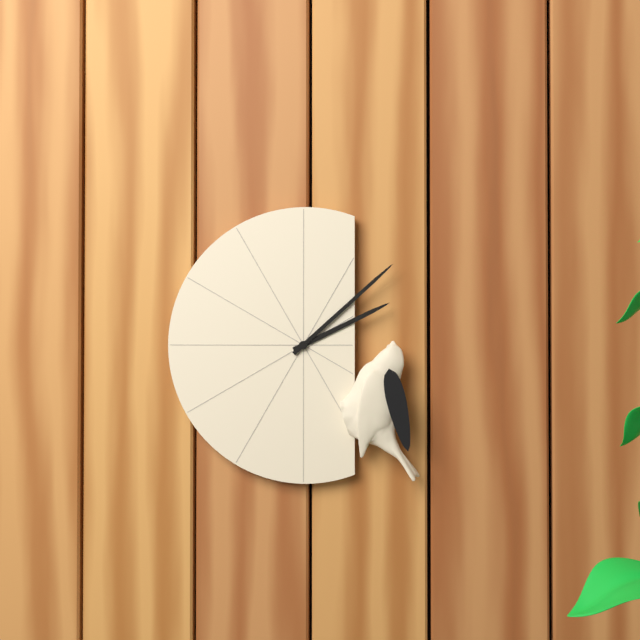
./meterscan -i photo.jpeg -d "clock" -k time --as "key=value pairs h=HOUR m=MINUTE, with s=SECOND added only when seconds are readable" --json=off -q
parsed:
h=2 m=8
